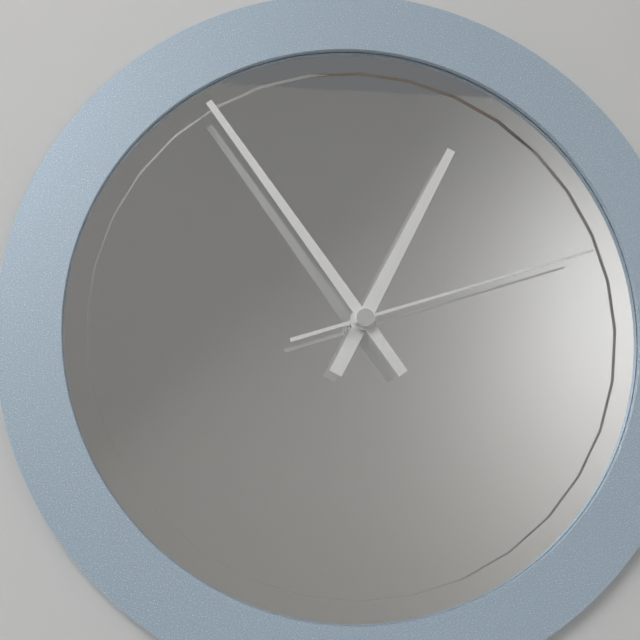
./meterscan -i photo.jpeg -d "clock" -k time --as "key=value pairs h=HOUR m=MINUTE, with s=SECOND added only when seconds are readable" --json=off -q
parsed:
h=12 m=54 s=12
